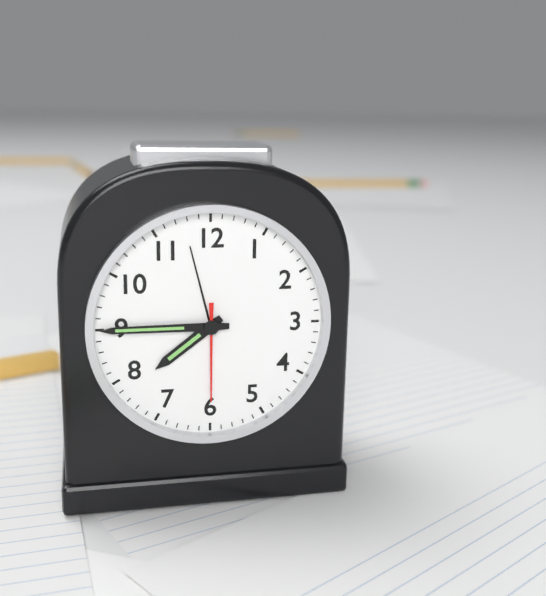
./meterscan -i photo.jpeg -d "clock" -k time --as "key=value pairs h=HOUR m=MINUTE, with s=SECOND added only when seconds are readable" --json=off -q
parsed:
h=7 m=45 s=30
